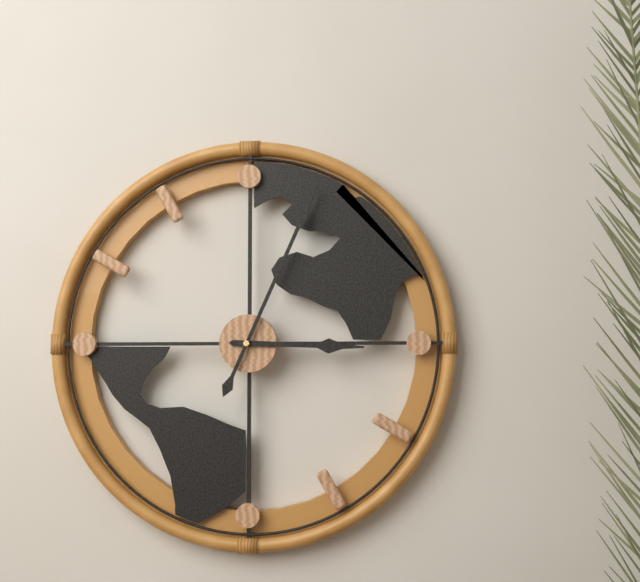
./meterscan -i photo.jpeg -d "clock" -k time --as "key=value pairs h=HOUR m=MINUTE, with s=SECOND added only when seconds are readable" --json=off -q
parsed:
h=3 m=4
